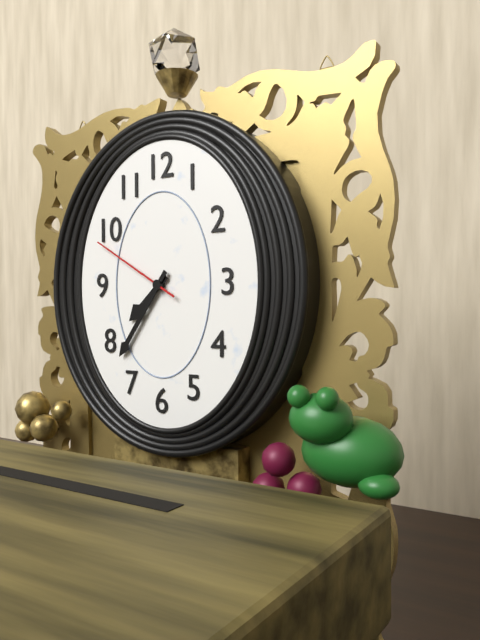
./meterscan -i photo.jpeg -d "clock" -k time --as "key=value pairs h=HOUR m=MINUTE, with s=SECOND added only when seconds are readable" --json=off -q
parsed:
h=7 m=36 s=50
